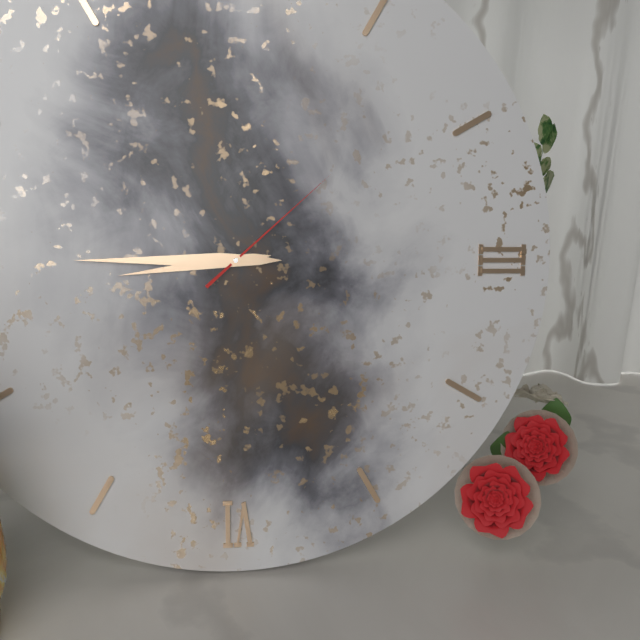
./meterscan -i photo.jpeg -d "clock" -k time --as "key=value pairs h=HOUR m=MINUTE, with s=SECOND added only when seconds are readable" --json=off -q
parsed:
h=8 m=45 s=8
